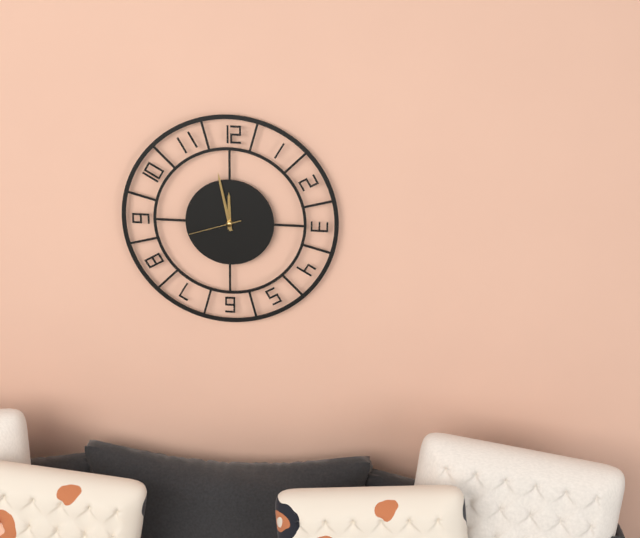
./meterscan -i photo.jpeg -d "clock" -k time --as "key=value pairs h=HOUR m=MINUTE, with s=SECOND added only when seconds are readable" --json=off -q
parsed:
h=11 m=58 s=42
